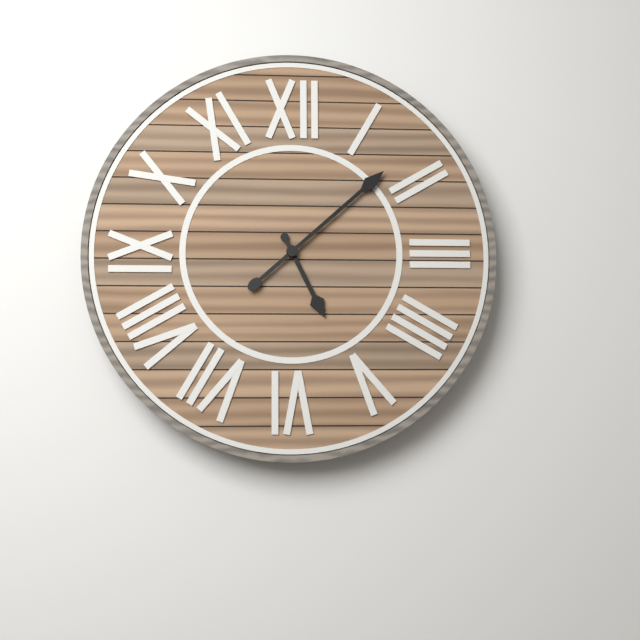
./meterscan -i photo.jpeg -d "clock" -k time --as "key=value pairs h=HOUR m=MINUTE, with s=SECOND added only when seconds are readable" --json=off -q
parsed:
h=5 m=8
